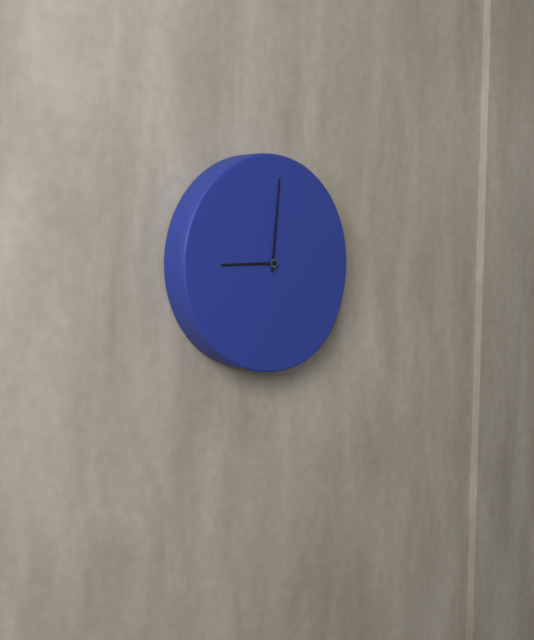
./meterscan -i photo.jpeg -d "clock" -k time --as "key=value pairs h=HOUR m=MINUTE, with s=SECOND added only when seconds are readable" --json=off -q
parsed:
h=9 m=1
